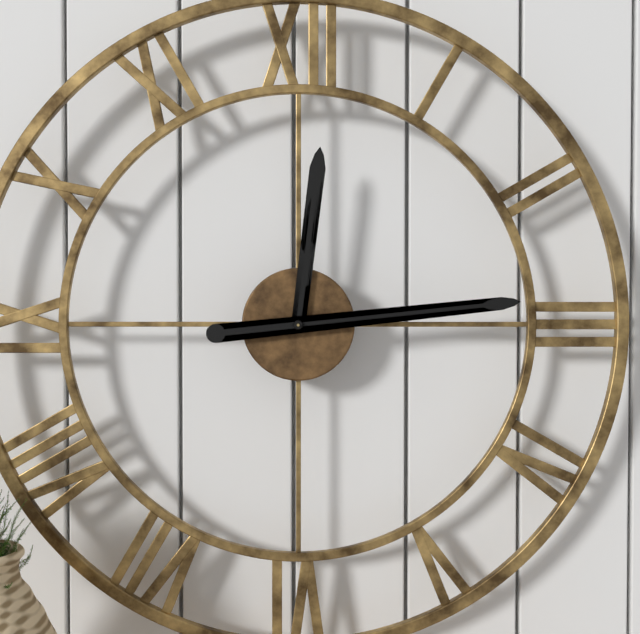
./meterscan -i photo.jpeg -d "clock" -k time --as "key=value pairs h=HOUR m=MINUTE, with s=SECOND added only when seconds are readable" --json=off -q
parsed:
h=12 m=14
